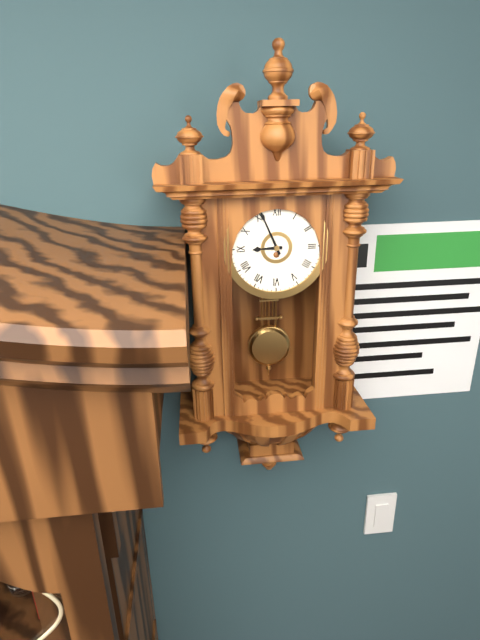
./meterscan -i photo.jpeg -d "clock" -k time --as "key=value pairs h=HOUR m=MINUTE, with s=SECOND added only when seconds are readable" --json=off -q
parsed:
h=8 m=56
